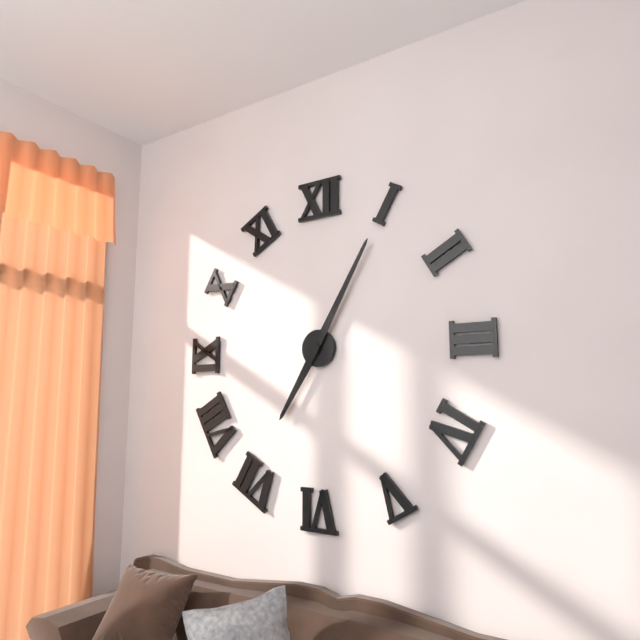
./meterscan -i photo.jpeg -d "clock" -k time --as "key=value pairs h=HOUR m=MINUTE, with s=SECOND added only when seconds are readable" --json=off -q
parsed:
h=7 m=5
